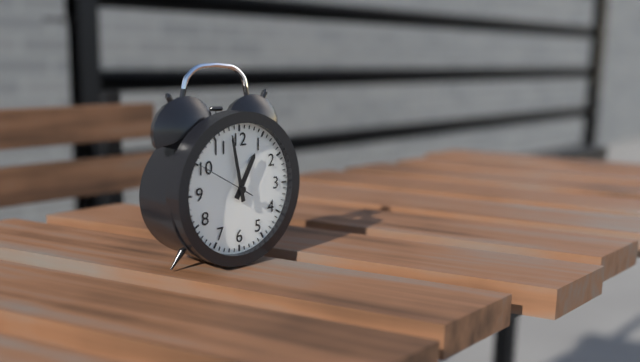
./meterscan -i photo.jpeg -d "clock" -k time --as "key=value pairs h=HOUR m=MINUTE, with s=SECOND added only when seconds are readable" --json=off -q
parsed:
h=12 m=58 s=50
